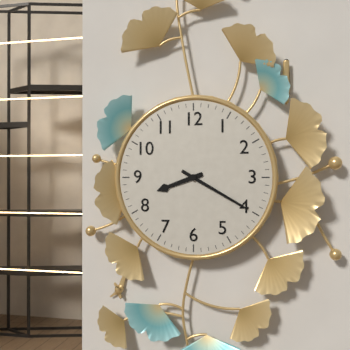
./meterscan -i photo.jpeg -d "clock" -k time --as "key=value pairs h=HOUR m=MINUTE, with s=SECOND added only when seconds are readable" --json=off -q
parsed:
h=8 m=20
